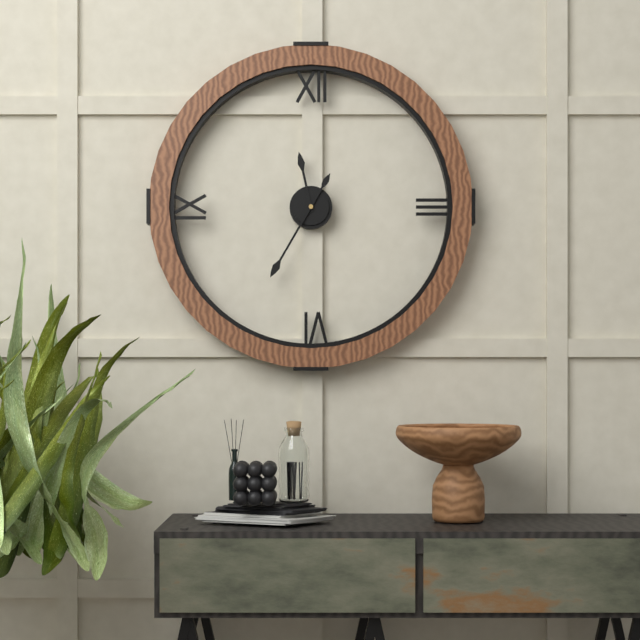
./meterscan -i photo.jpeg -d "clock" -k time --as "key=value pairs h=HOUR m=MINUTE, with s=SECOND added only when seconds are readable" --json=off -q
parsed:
h=11 m=35
